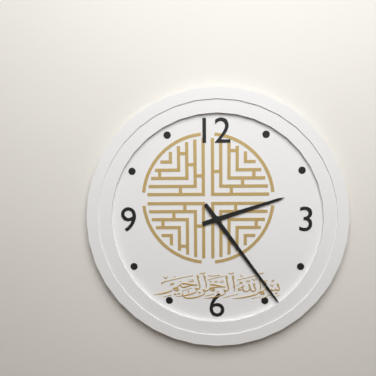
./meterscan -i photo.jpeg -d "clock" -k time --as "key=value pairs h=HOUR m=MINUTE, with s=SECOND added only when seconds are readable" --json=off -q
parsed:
h=2 m=24
